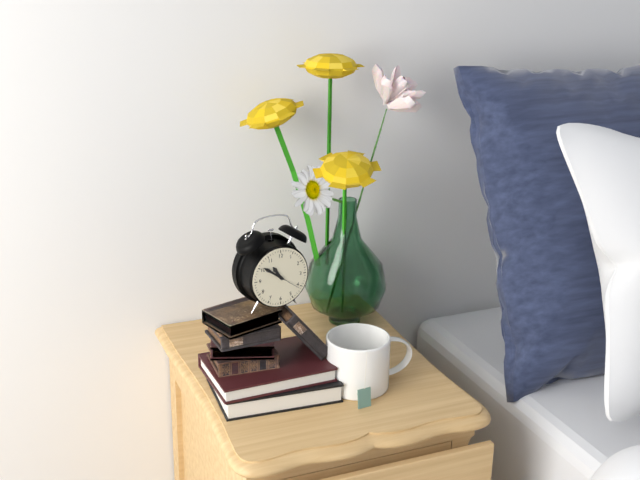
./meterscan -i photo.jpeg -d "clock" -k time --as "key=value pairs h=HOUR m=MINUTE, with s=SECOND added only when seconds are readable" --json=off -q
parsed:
h=10 m=51
